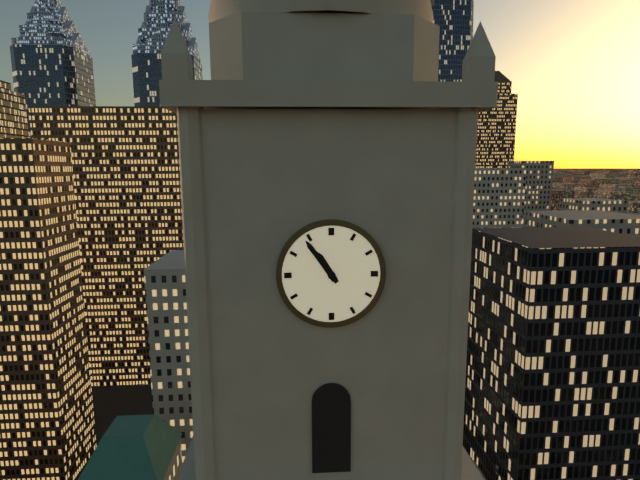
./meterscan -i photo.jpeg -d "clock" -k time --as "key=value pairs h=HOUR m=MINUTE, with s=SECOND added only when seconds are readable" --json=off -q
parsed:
h=10 m=54
